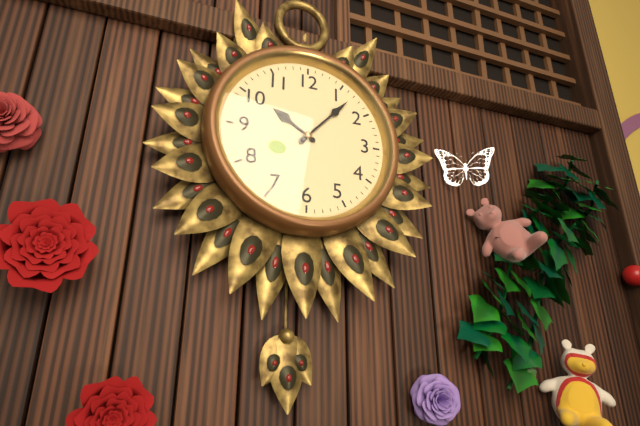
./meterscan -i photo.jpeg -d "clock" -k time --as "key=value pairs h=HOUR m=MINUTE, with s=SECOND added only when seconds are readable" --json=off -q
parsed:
h=10 m=7
